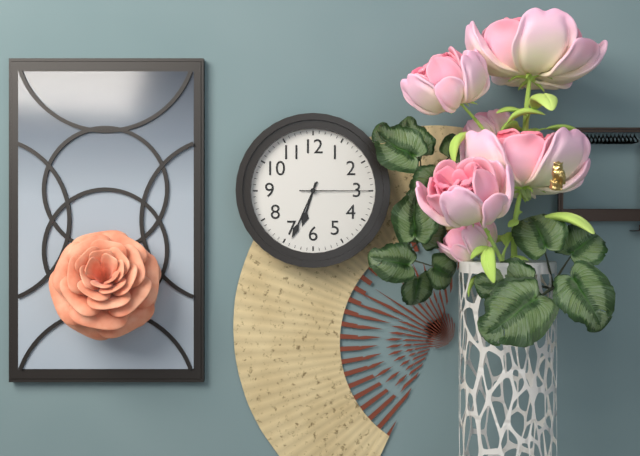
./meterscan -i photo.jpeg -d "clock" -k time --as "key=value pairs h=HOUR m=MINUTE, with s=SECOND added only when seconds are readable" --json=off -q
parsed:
h=6 m=34 s=15
